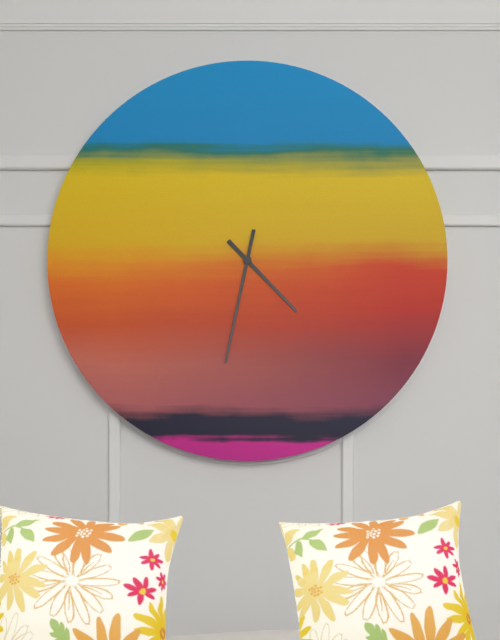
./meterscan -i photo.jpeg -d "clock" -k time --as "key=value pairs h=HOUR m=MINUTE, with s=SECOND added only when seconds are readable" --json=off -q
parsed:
h=4 m=32
